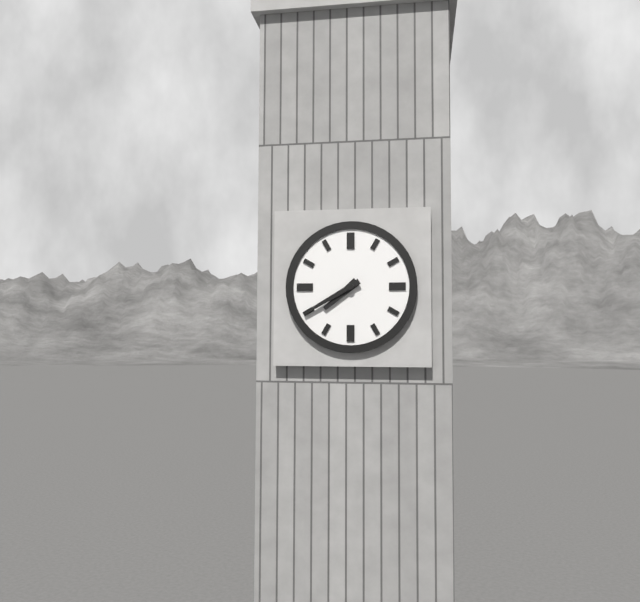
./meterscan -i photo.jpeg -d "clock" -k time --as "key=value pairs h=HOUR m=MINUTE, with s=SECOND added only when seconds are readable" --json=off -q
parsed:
h=7 m=40
